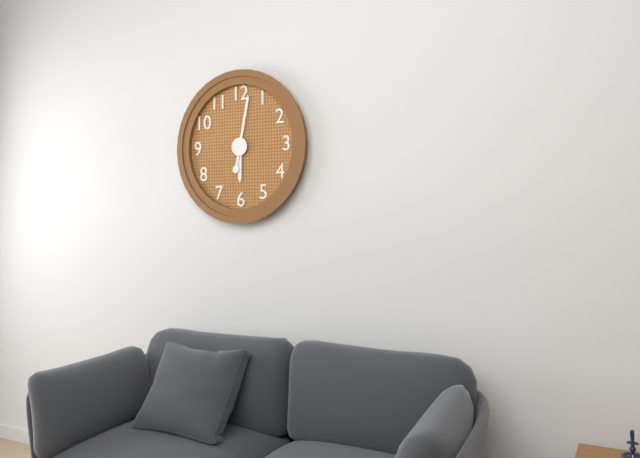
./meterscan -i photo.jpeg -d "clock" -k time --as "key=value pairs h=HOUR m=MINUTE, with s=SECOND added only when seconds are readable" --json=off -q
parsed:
h=6 m=2
